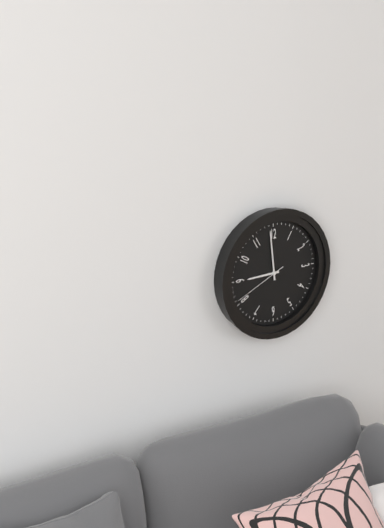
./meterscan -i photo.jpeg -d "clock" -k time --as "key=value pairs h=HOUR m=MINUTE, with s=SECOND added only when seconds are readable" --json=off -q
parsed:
h=8 m=59 s=41
